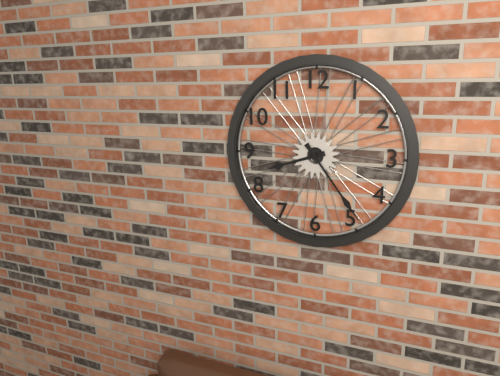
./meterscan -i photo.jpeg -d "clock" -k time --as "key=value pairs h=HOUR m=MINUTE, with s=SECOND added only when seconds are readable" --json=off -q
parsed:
h=8 m=24
